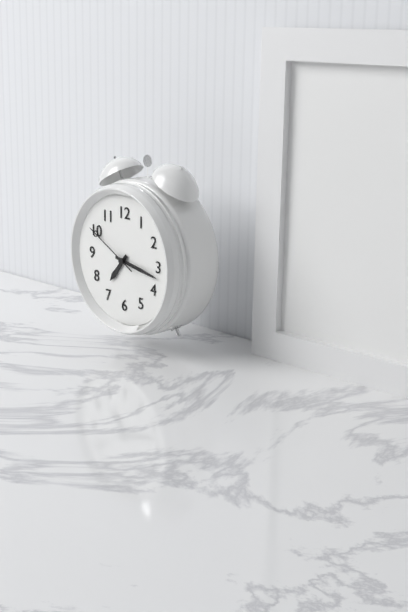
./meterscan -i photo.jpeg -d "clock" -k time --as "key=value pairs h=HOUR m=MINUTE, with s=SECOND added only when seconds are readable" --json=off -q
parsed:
h=7 m=17 s=50
